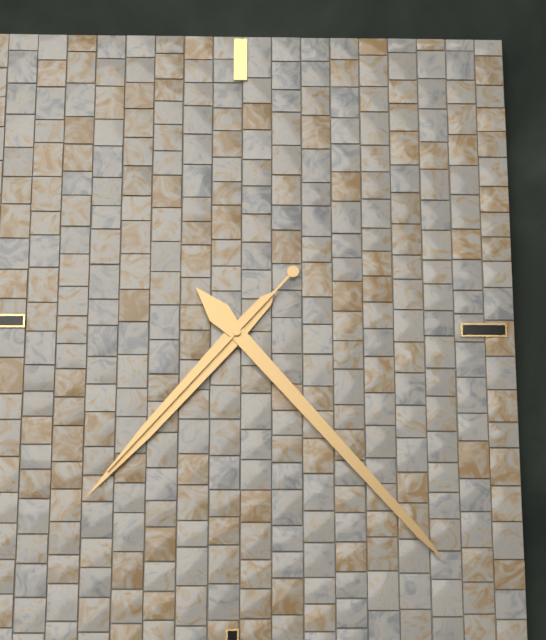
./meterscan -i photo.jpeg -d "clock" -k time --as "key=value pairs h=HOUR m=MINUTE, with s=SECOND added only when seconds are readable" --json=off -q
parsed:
h=7 m=23 s=37
